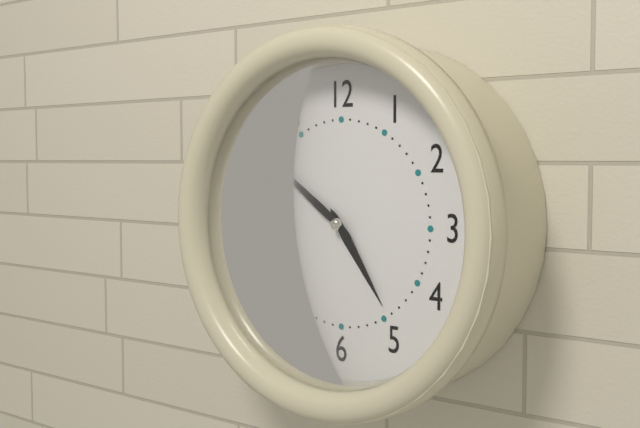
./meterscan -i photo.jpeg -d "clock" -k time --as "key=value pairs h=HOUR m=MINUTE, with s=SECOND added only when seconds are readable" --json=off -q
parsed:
h=4 m=51
